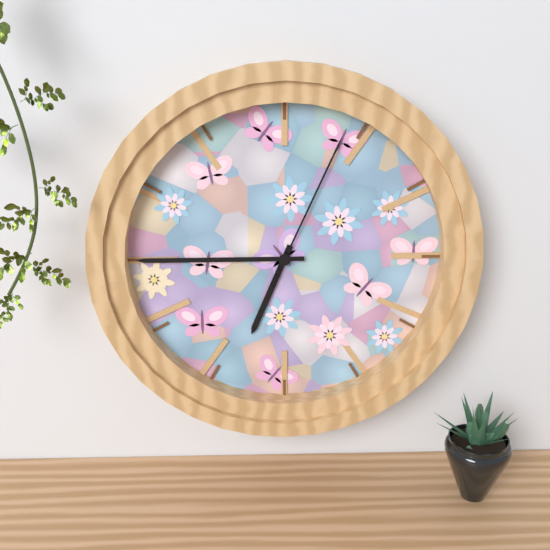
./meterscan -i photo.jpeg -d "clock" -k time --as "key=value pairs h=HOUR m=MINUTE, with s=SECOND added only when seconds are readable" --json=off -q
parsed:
h=6 m=45 s=4
